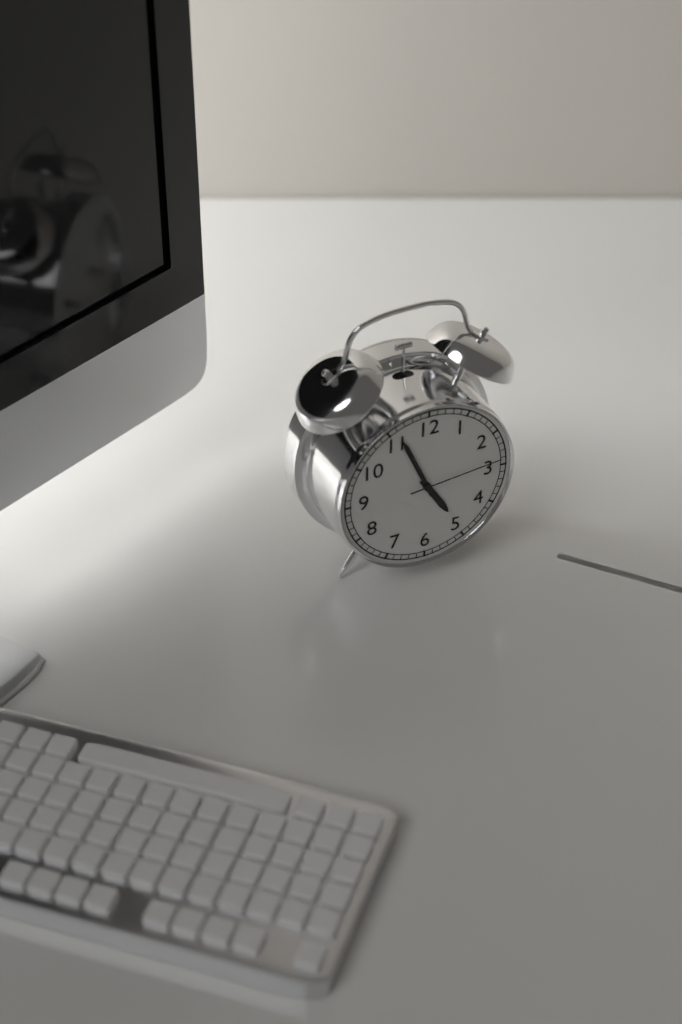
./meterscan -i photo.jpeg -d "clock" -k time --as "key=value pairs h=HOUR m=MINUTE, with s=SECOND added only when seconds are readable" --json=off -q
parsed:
h=4 m=56 s=14
